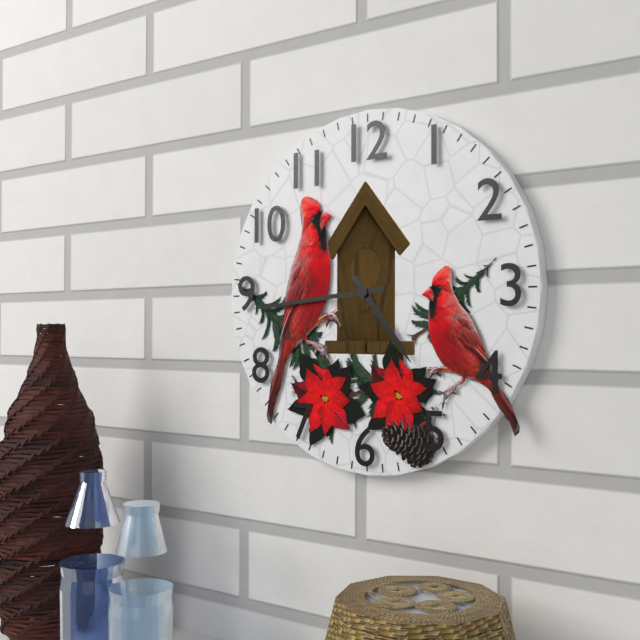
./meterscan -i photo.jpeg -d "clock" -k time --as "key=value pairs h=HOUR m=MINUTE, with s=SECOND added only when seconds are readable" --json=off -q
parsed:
h=4 m=44
